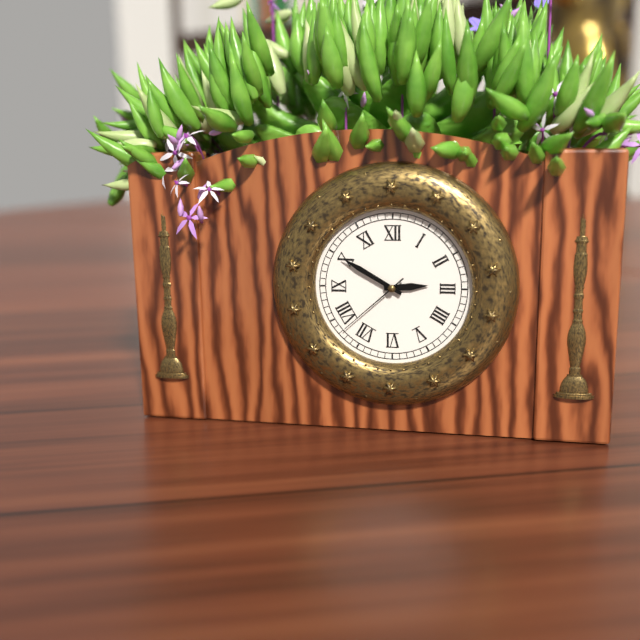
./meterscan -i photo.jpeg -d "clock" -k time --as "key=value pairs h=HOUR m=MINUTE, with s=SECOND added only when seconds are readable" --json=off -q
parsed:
h=2 m=50 s=38
